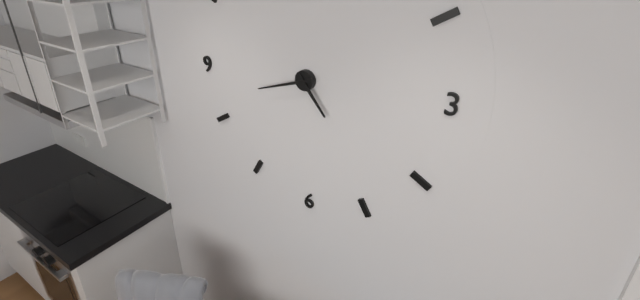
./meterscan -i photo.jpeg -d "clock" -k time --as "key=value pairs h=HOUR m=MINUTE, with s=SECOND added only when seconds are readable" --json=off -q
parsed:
h=4 m=42
